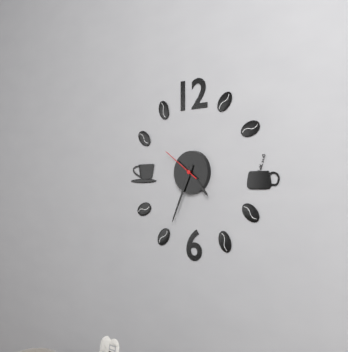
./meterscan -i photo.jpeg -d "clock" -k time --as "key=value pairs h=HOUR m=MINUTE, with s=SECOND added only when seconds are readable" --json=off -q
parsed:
h=4 m=34
